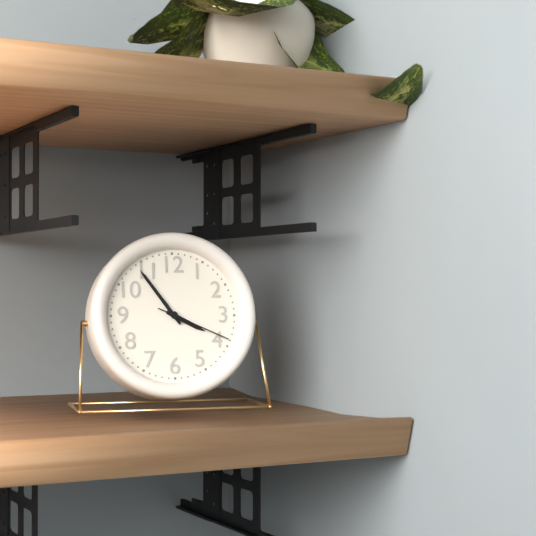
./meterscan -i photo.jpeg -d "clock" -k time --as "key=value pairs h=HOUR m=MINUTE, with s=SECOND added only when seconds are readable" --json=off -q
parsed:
h=3 m=54 s=19
